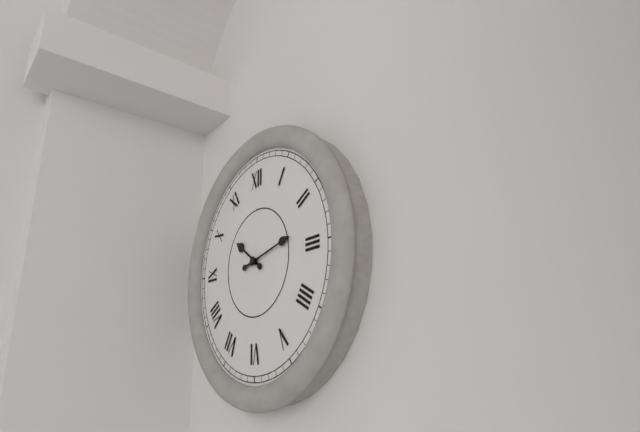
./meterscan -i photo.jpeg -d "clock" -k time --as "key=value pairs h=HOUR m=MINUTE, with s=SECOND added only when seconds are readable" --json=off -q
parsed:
h=10 m=13
